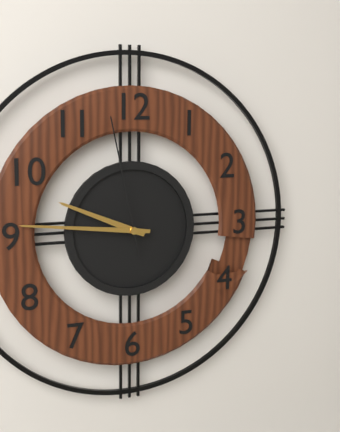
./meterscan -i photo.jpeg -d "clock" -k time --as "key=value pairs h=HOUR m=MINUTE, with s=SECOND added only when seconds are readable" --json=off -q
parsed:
h=9 m=46 s=58
